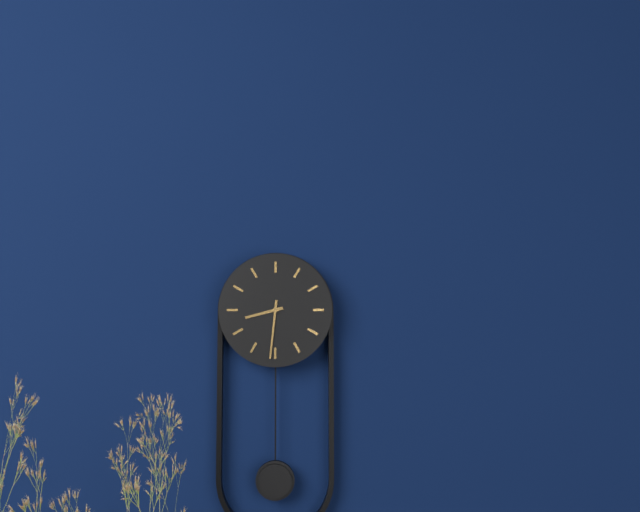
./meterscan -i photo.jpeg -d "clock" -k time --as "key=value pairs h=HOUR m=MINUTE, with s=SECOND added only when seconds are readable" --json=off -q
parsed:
h=8 m=31
